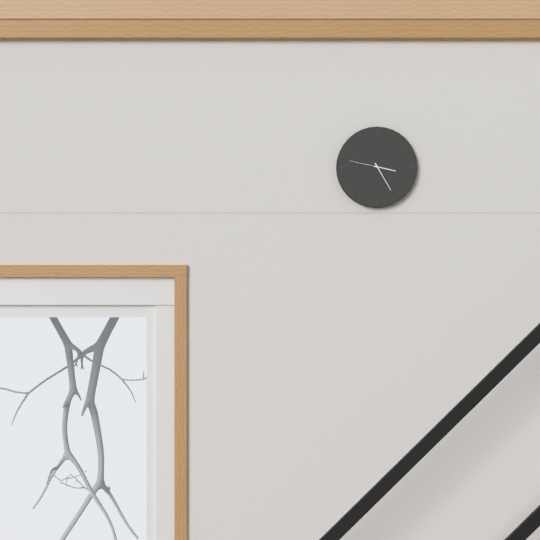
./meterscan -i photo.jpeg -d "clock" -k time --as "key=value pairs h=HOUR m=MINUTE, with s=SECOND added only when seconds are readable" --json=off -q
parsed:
h=3 m=25
